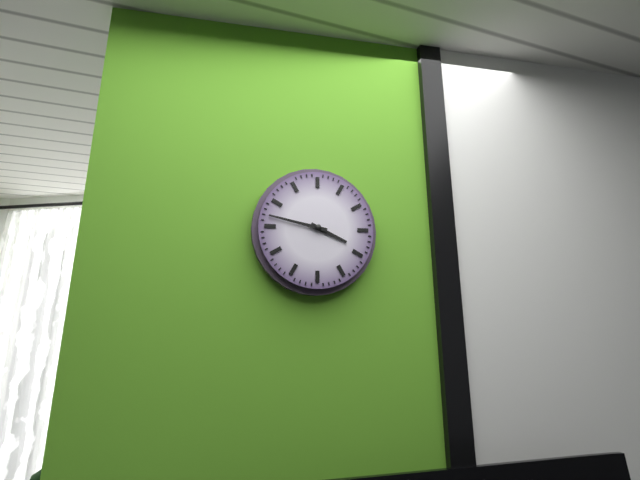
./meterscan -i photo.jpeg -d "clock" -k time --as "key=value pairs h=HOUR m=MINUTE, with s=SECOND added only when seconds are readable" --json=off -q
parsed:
h=3 m=47
